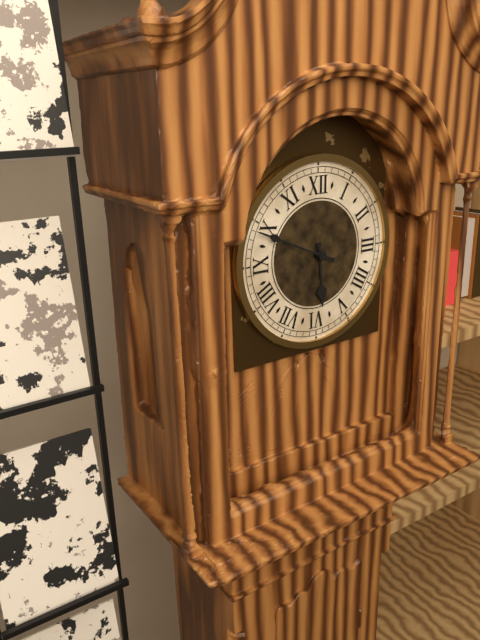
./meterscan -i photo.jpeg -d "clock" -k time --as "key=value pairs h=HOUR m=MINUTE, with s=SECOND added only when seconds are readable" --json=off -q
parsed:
h=5 m=49
